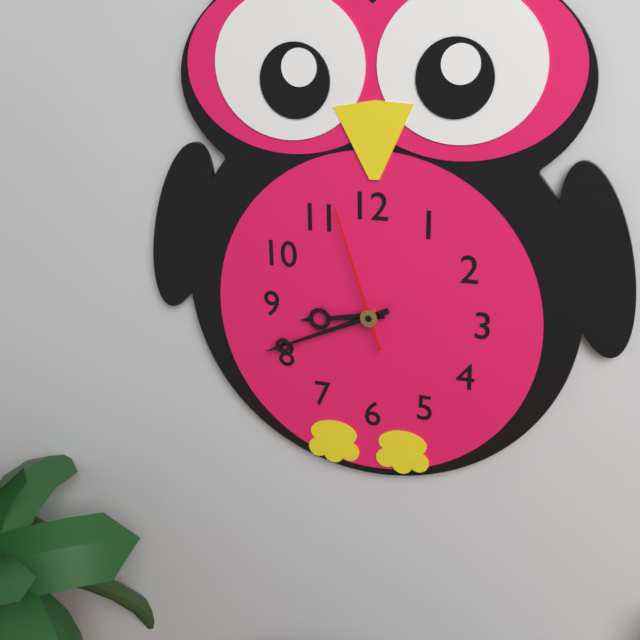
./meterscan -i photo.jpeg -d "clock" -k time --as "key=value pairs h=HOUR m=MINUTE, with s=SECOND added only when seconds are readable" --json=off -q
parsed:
h=8 m=41 s=57
